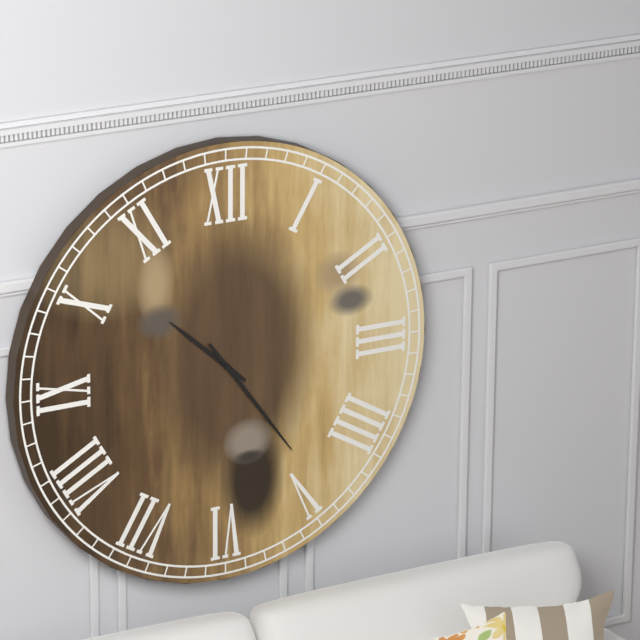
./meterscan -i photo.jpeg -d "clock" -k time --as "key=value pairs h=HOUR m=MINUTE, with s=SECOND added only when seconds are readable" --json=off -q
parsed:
h=10 m=24
